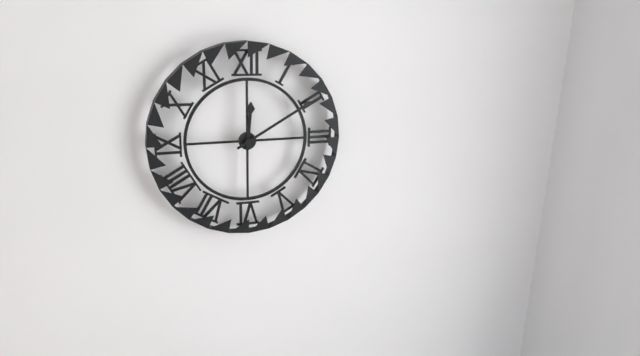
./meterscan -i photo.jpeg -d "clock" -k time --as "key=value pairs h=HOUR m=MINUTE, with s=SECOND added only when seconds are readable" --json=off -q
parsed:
h=12 m=10
